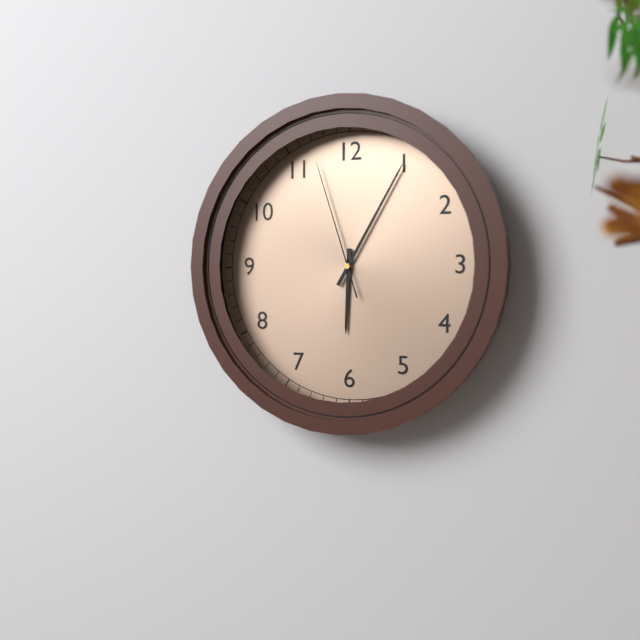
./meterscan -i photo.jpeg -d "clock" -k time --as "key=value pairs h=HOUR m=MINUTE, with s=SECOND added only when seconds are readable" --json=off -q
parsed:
h=6 m=5 s=57
